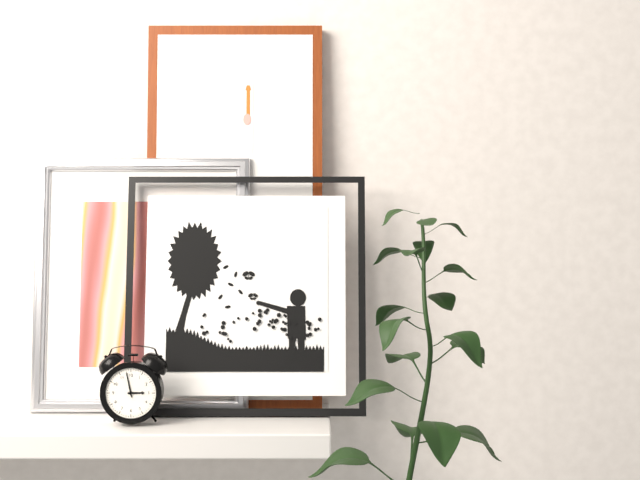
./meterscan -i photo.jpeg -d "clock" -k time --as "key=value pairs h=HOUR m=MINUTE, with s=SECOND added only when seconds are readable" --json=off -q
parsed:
h=2 m=58
